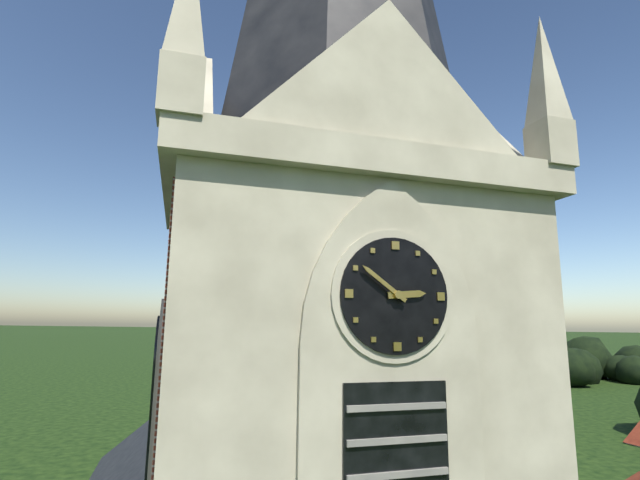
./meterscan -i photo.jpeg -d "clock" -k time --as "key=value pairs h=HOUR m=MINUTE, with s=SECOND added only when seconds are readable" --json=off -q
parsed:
h=2 m=51
